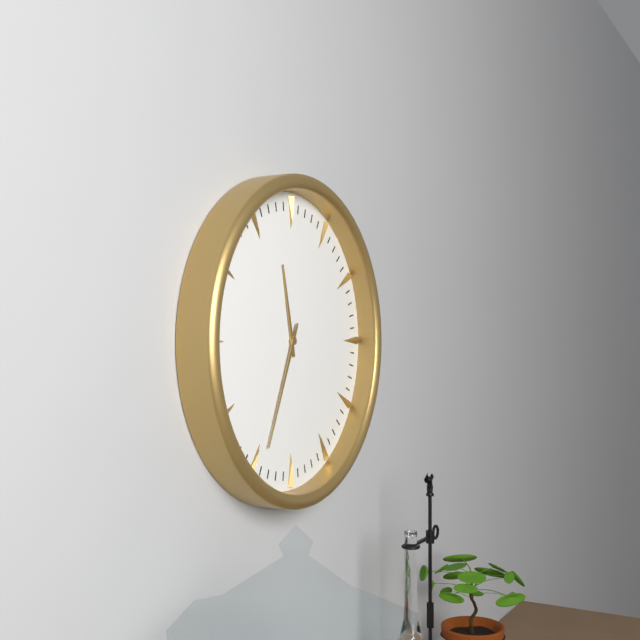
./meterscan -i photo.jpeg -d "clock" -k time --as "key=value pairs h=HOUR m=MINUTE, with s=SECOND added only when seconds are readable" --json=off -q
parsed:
h=11 m=34
